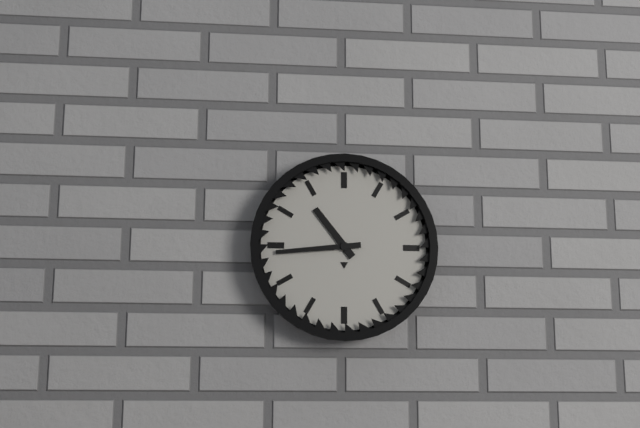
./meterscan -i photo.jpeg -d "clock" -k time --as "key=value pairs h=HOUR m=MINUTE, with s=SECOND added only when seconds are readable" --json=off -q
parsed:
h=10 m=44
